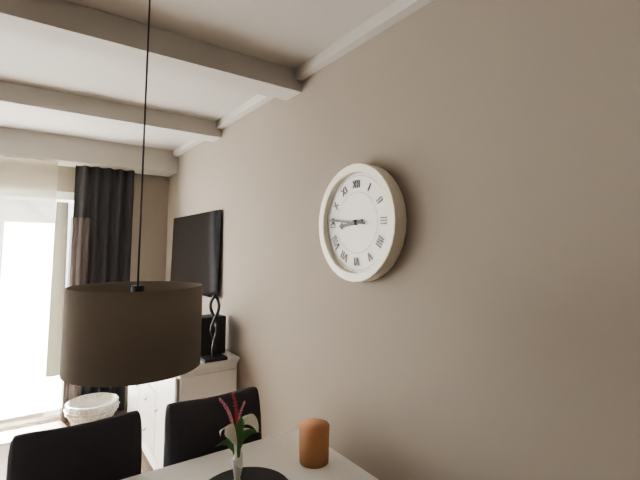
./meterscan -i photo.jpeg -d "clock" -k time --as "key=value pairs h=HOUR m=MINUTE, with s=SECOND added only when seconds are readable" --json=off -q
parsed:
h=8 m=46
